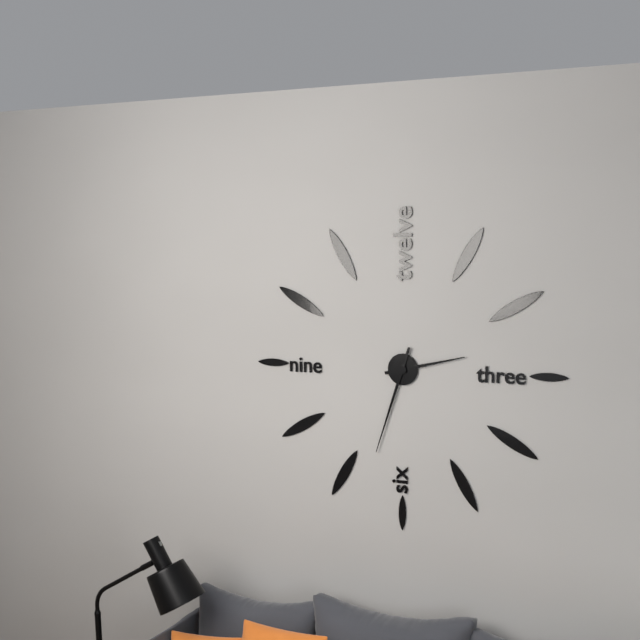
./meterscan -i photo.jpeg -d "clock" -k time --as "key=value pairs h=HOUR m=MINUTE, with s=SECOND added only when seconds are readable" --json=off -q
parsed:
h=2 m=33
